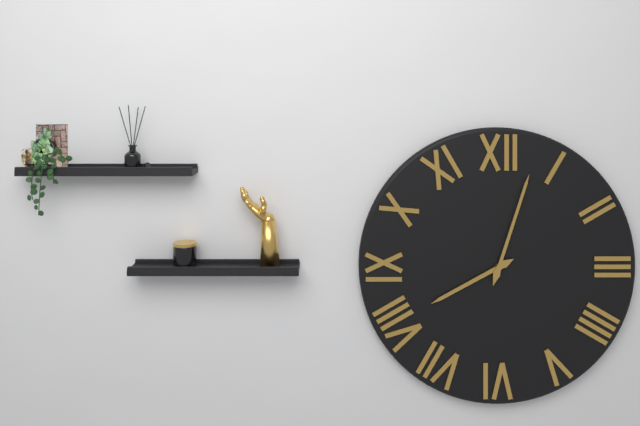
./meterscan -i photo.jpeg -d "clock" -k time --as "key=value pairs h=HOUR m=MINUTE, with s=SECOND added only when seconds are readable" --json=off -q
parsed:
h=8 m=3
